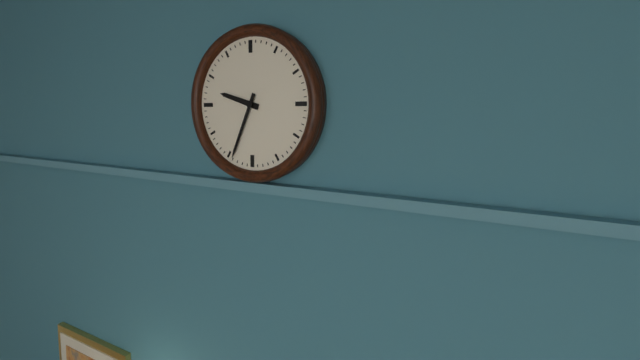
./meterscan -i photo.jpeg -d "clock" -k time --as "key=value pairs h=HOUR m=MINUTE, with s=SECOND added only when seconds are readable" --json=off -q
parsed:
h=9 m=34
